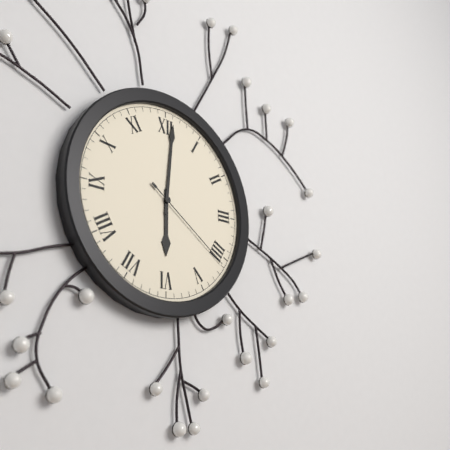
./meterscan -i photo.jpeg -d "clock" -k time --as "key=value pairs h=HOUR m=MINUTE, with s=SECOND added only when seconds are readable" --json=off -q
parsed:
h=6 m=1 s=21
